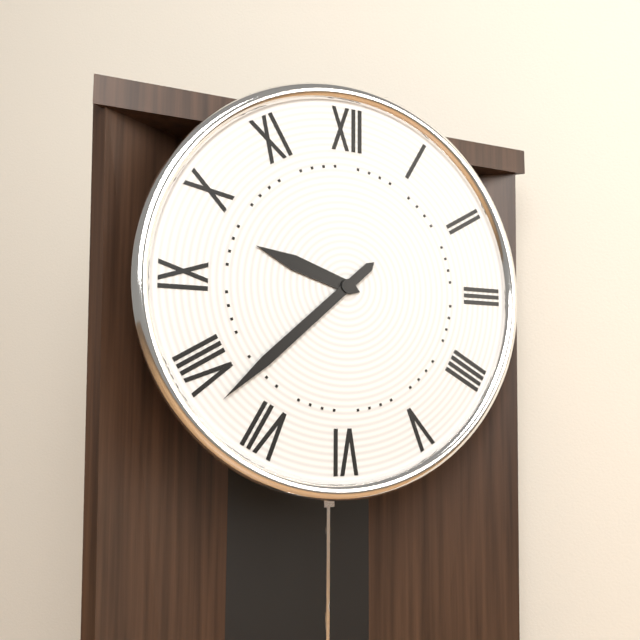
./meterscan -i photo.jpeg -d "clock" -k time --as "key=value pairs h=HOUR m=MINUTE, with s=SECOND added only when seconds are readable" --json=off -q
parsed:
h=9 m=38
